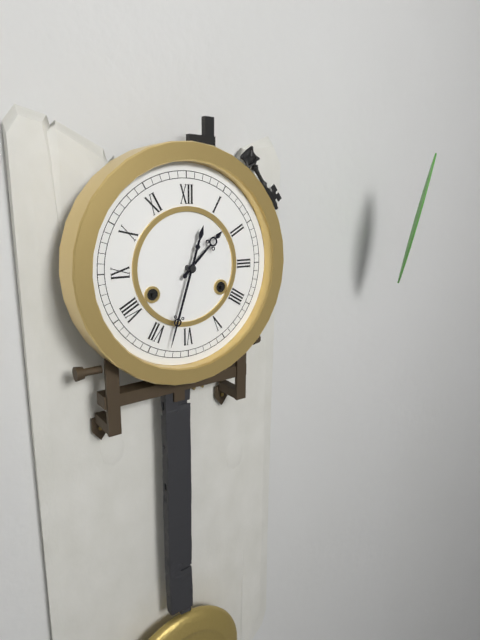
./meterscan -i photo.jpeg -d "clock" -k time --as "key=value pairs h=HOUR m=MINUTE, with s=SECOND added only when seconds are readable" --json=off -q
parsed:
h=1 m=33
